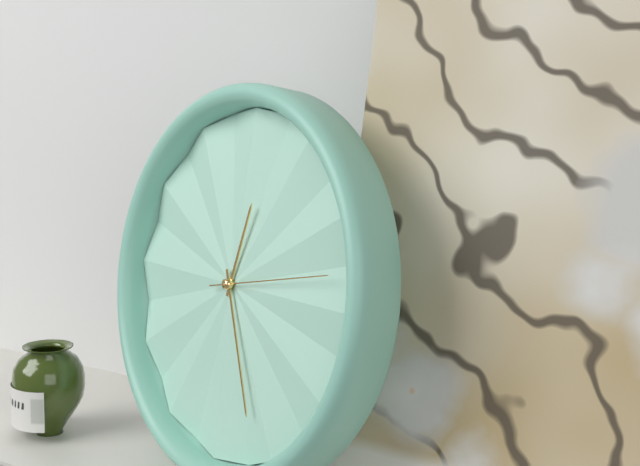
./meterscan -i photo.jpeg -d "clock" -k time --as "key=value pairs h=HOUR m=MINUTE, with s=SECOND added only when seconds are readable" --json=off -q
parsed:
h=12 m=26 s=13
